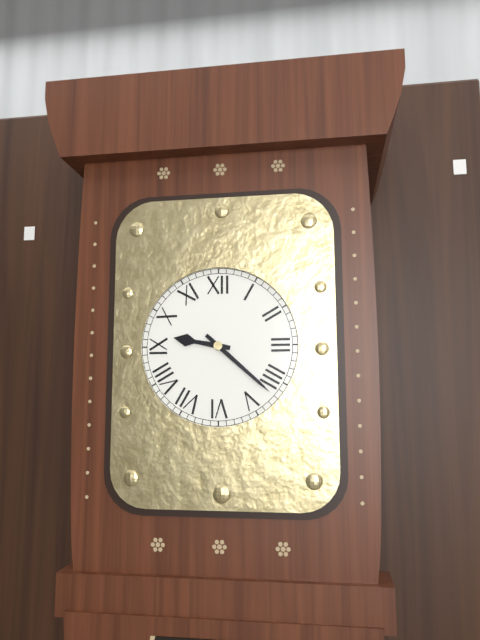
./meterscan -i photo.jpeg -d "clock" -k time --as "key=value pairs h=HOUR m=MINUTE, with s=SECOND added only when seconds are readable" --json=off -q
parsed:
h=9 m=22
